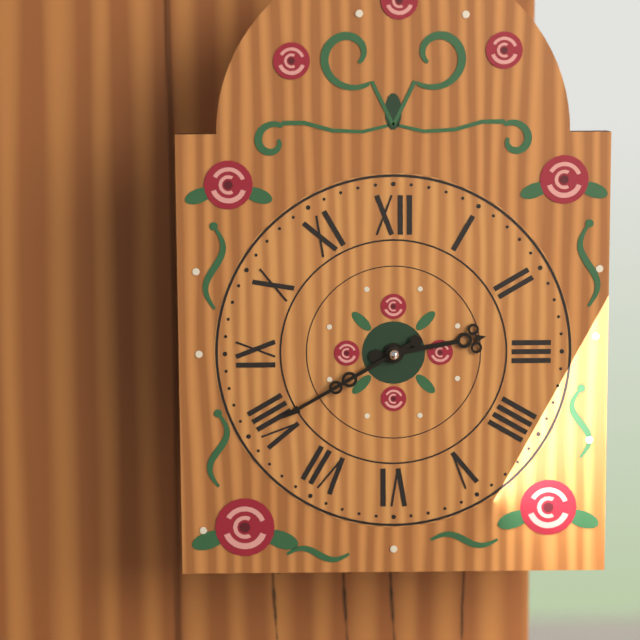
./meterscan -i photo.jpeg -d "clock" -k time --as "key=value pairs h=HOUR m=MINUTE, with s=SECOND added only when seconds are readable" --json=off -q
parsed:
h=2 m=40
